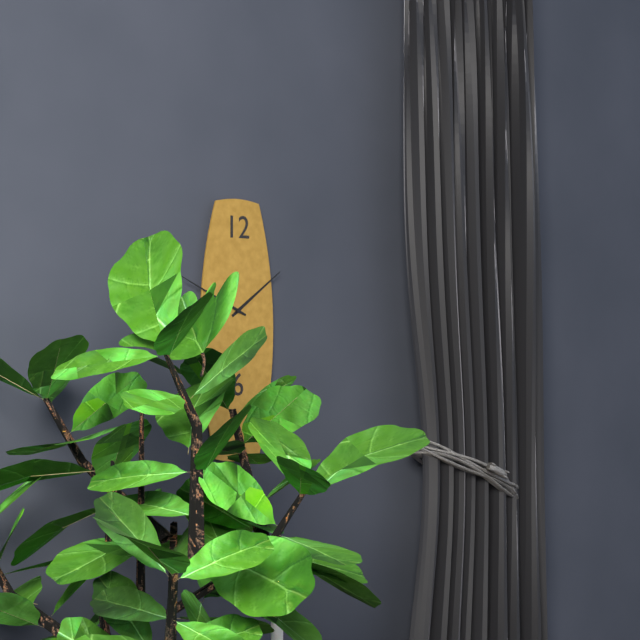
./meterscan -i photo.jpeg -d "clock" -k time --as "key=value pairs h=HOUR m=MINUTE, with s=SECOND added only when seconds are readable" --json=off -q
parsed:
h=1 m=49
